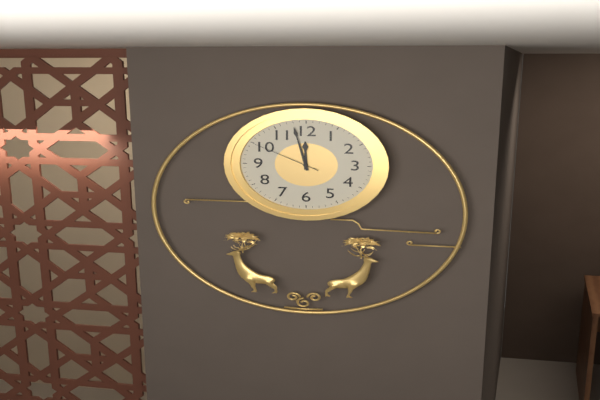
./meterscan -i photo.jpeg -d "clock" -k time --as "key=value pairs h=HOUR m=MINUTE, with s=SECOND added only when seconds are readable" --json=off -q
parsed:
h=11 m=58 s=50
